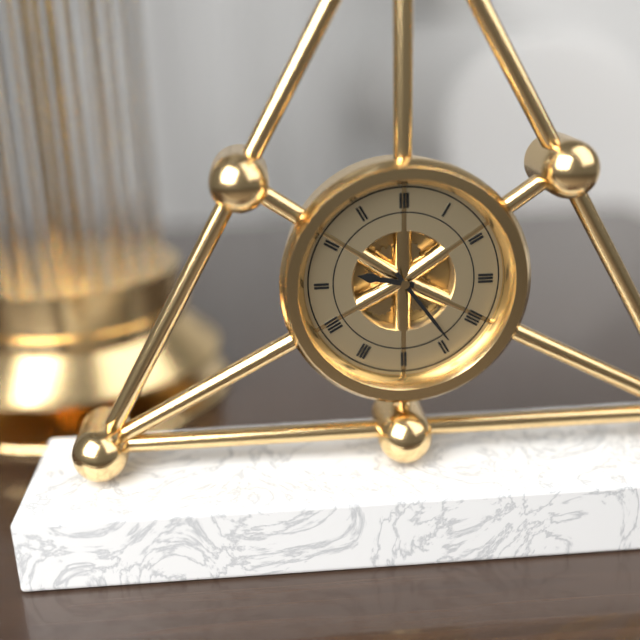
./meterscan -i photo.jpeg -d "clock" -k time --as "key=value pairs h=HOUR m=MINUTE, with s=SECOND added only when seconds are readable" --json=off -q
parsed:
h=9 m=24
